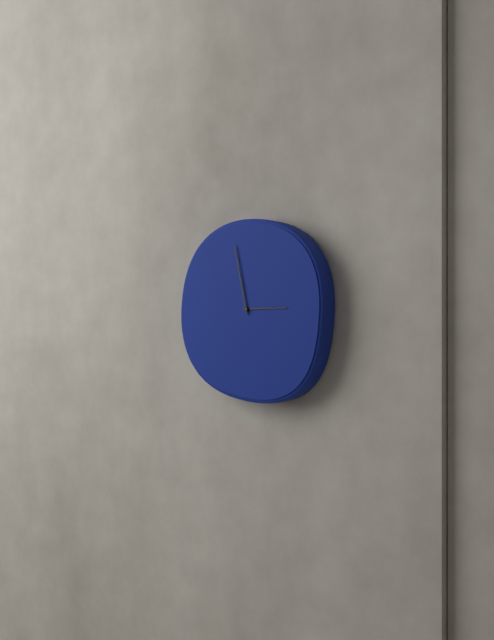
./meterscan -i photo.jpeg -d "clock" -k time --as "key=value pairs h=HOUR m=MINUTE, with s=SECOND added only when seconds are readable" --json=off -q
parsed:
h=2 m=58
